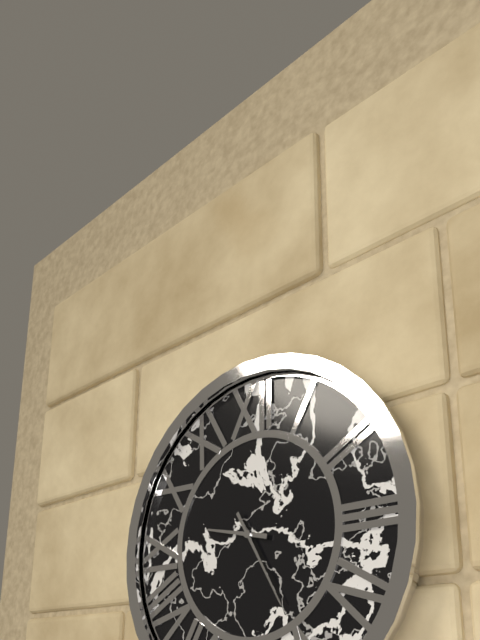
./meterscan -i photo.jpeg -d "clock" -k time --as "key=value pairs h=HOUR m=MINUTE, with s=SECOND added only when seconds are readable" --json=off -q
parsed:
h=9 m=25
